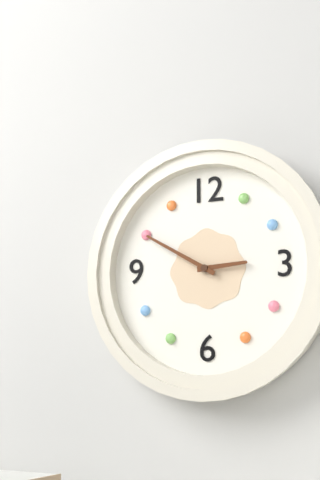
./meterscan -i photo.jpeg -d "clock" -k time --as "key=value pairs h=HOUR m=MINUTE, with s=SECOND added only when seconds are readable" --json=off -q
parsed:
h=2 m=50
